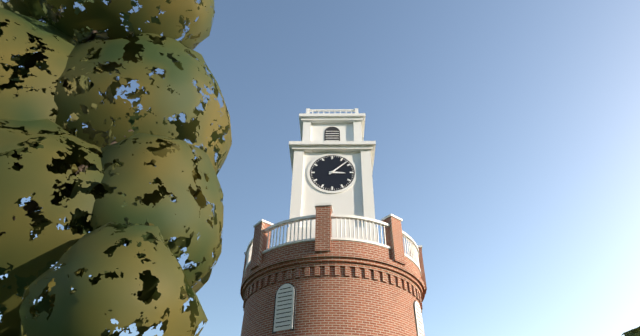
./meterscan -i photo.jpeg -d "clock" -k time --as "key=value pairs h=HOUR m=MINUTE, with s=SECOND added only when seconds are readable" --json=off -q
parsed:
h=3 m=8
